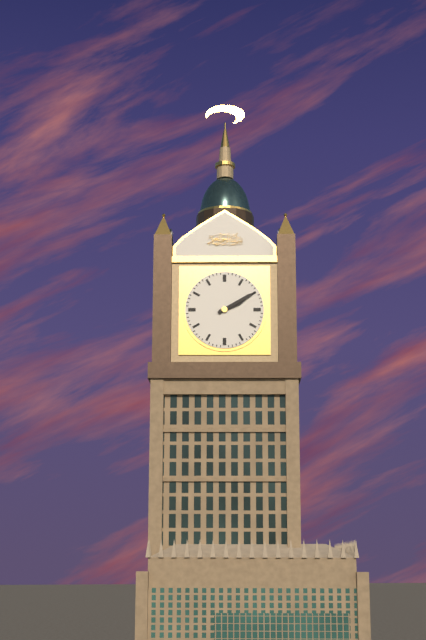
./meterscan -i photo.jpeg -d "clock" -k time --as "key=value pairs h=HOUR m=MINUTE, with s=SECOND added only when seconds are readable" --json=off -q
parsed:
h=2 m=10
